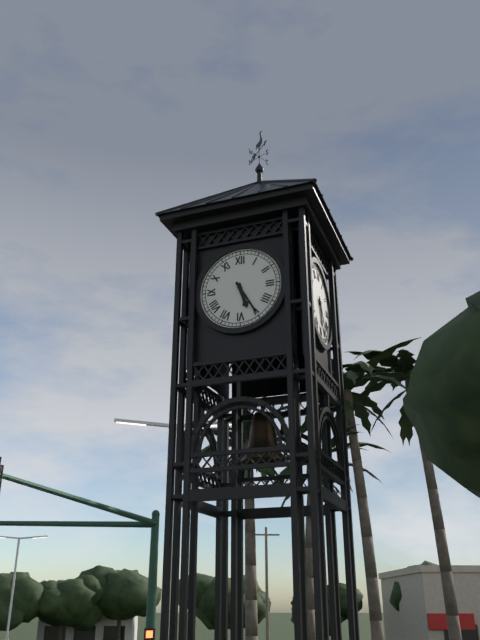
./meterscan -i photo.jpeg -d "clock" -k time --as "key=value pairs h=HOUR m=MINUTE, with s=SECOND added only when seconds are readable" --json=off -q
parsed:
h=5 m=25
